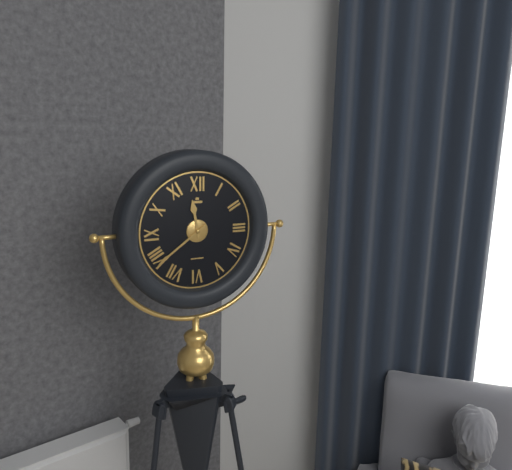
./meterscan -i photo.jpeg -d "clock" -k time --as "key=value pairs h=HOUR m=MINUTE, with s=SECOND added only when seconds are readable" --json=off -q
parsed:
h=11 m=39
